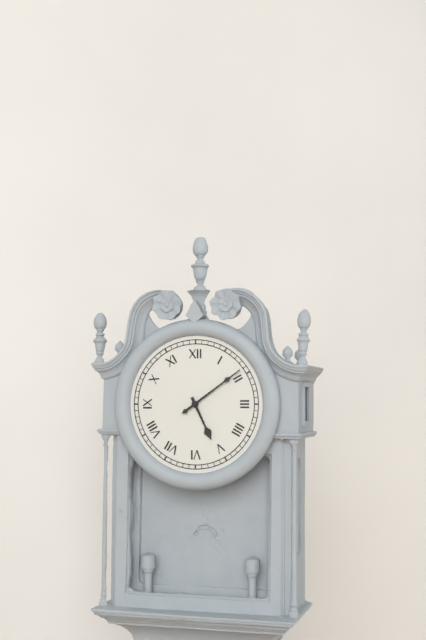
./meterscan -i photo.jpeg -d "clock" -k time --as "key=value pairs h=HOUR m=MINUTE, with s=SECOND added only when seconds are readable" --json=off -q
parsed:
h=5 m=9
